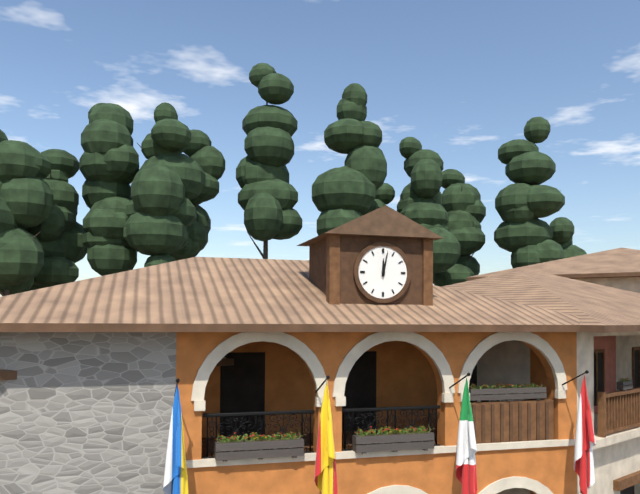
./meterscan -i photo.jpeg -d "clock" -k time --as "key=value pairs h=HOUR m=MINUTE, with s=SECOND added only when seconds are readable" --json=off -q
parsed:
h=12 m=2
